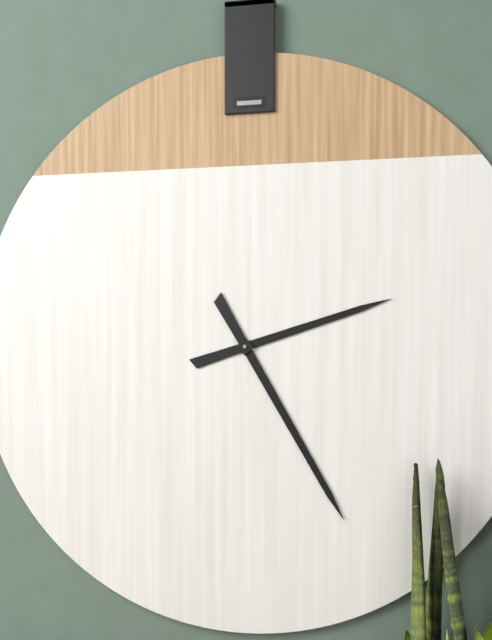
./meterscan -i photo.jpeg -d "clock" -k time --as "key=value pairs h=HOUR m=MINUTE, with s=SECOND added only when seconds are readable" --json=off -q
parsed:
h=2 m=25
